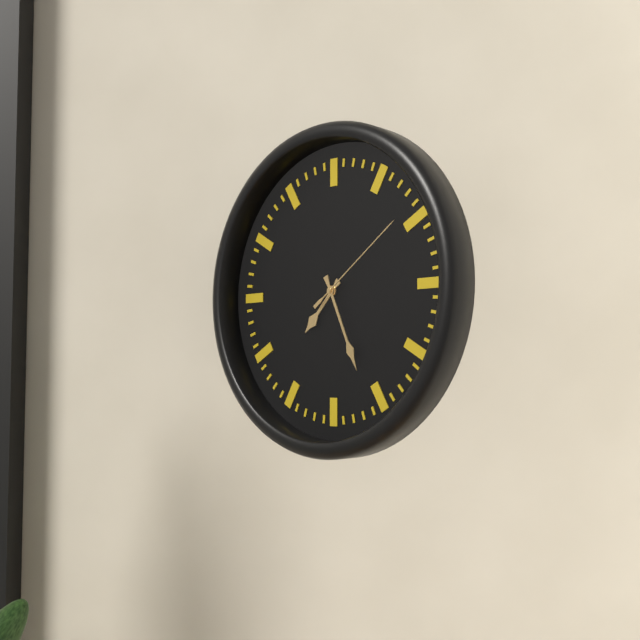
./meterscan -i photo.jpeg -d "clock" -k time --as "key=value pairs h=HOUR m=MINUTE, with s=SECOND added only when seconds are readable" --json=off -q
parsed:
h=7 m=26 s=9
